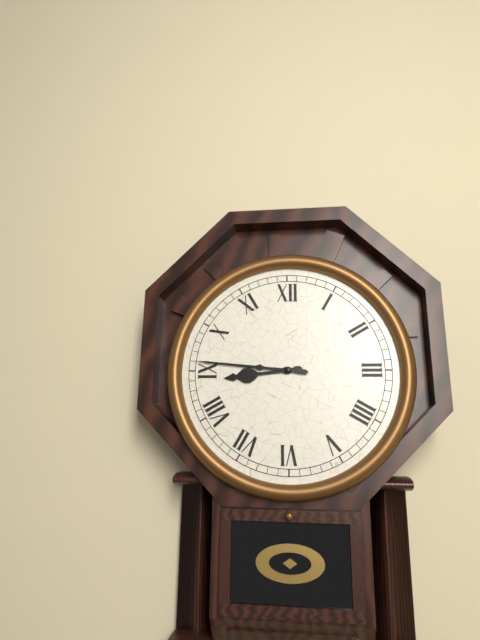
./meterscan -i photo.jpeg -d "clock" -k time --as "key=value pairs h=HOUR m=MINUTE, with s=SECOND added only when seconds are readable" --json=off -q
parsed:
h=8 m=46
